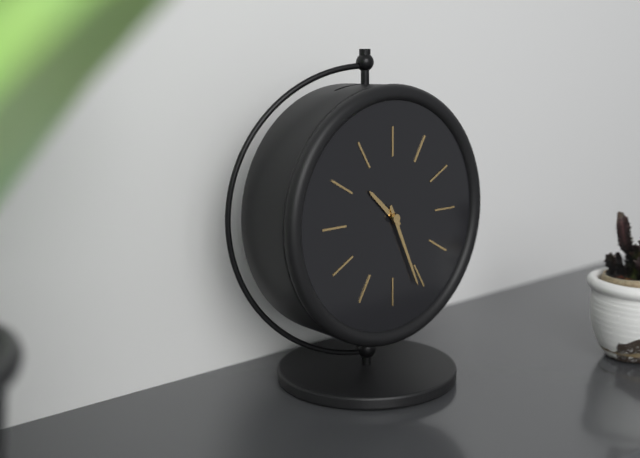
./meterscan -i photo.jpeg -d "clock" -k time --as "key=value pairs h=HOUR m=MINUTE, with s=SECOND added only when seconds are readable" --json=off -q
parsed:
h=10 m=26
